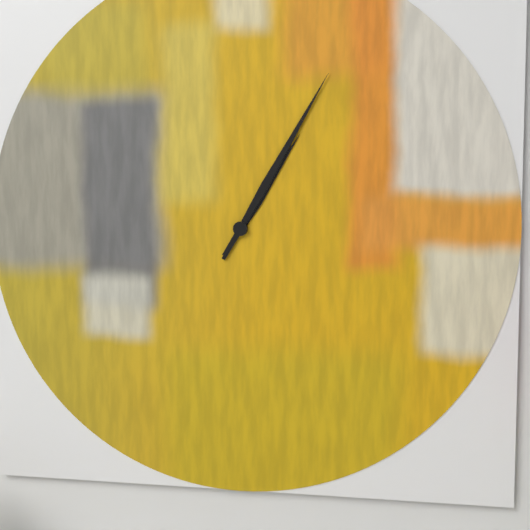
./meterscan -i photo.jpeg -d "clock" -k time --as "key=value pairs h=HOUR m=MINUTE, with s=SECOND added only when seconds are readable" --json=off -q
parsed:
h=1 m=5
